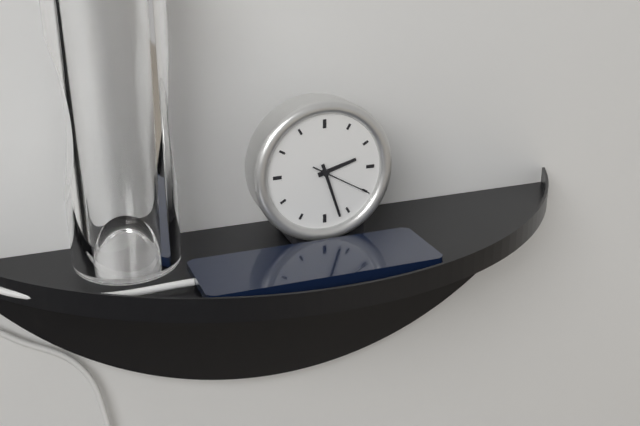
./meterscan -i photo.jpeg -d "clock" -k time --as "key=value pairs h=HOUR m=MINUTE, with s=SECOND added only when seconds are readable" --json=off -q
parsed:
h=2 m=27 s=20
